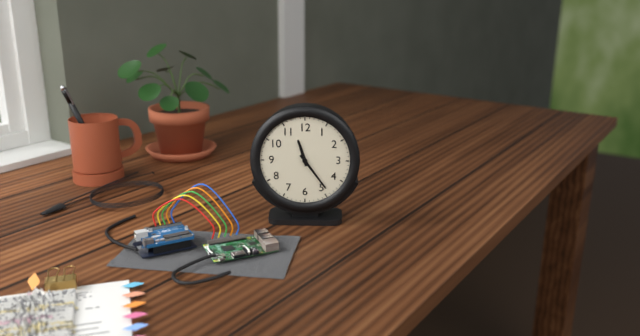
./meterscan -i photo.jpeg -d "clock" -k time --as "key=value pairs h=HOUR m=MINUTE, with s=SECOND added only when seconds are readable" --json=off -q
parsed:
h=11 m=24
